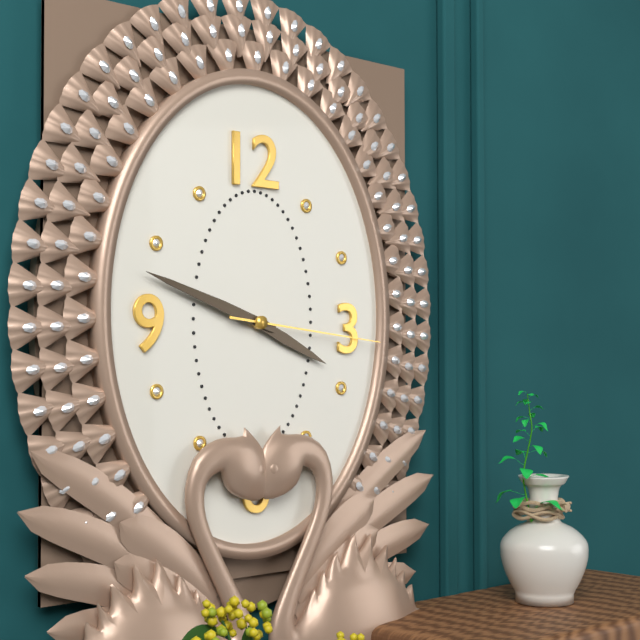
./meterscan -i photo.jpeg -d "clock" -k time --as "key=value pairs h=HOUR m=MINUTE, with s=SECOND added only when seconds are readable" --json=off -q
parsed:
h=3 m=48 s=16
